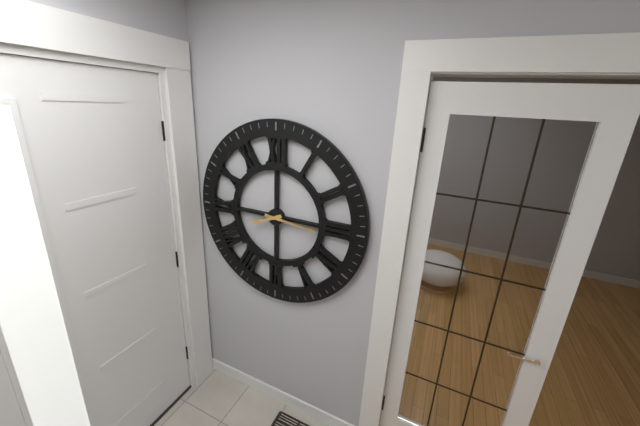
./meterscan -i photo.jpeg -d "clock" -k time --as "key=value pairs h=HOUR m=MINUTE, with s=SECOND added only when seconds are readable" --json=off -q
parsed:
h=8 m=16
